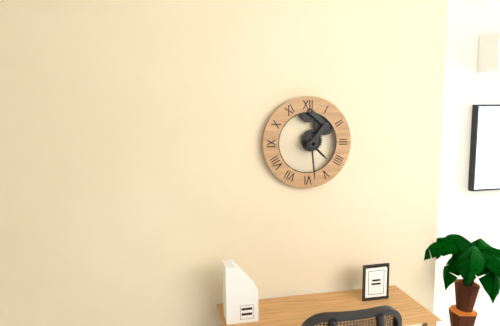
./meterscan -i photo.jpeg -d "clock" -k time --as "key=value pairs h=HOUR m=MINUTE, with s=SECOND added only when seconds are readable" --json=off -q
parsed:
h=4 m=29
